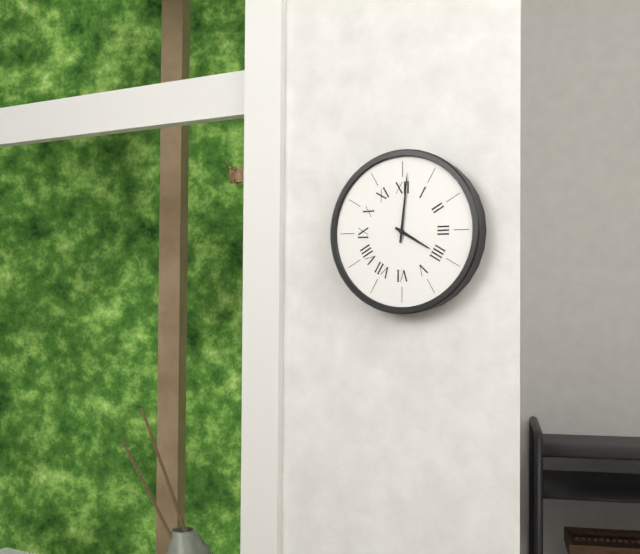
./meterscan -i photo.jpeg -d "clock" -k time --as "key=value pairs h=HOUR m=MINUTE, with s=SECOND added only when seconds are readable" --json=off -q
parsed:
h=4 m=1
